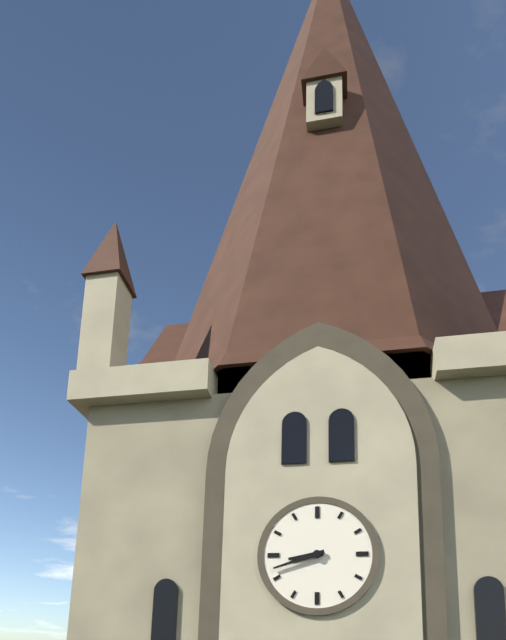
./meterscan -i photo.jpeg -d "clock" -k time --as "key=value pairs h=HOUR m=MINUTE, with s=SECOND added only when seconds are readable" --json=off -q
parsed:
h=8 m=42
